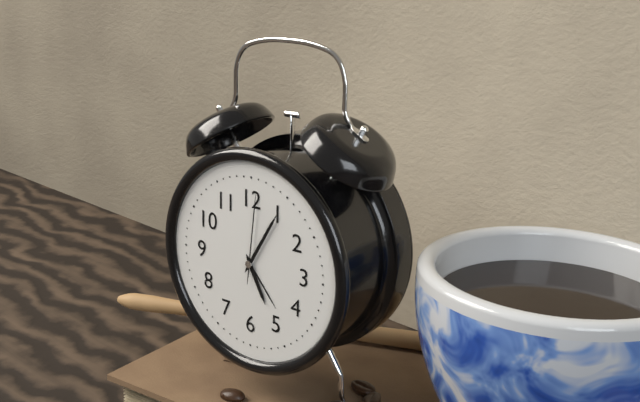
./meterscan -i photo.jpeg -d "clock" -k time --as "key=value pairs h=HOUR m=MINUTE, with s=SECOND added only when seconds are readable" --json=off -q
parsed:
h=5 m=5 s=1
